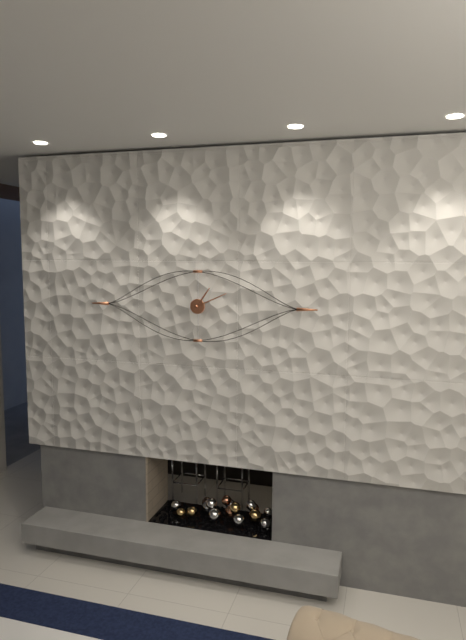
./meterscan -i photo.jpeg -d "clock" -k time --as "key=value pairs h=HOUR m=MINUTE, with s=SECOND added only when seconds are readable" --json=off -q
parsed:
h=1 m=11
